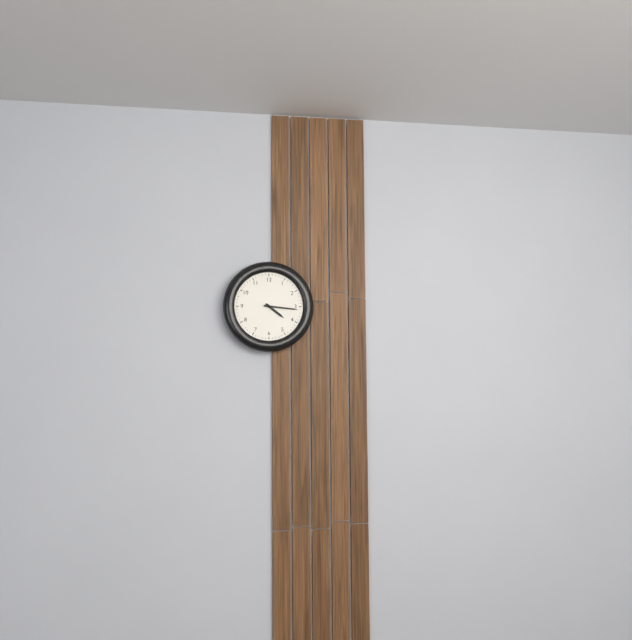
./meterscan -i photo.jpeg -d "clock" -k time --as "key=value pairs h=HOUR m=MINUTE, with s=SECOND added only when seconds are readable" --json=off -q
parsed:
h=4 m=16
